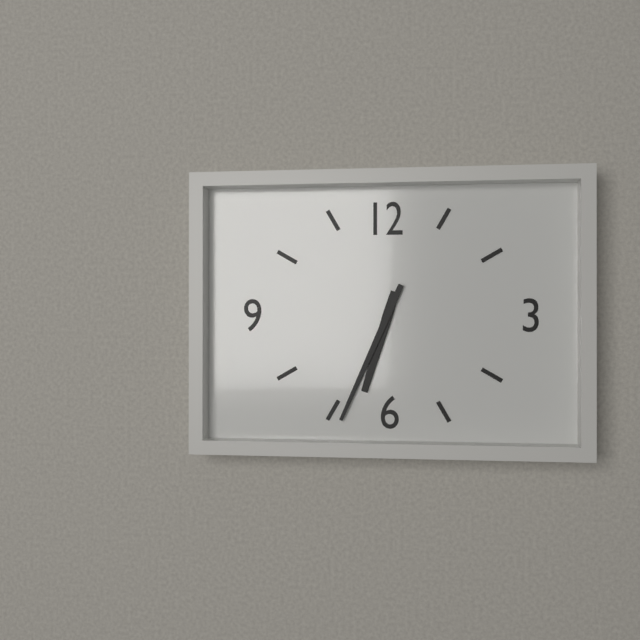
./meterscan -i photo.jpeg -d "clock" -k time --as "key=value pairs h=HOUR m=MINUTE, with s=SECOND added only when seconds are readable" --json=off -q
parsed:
h=6 m=34
